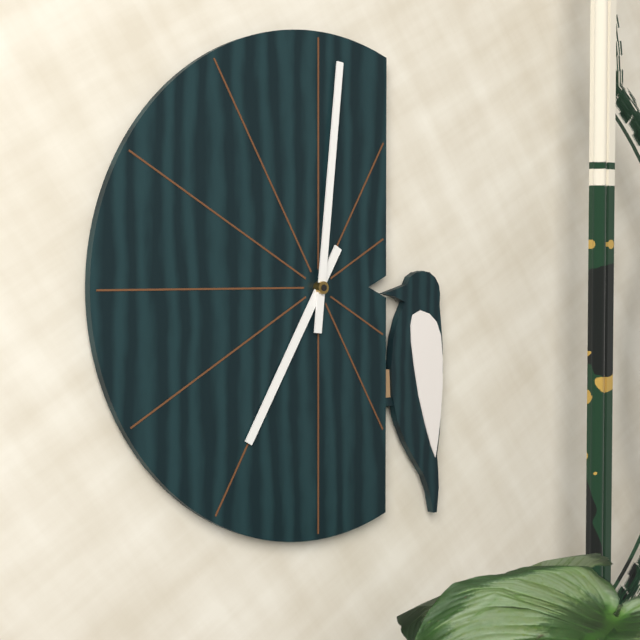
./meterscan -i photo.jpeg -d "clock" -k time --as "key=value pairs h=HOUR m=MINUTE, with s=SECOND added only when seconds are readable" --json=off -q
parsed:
h=7 m=1
